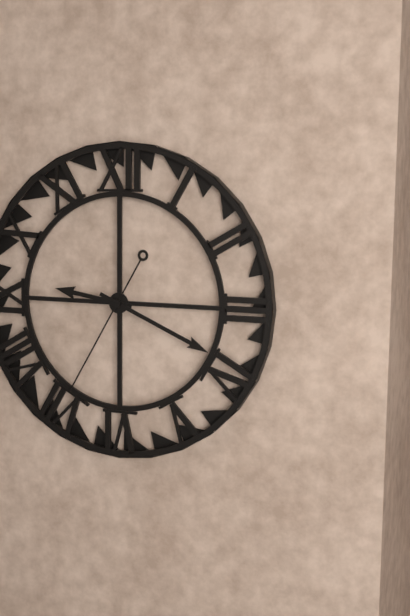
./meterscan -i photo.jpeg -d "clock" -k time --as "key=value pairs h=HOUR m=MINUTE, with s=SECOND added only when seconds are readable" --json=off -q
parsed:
h=9 m=19 s=35
